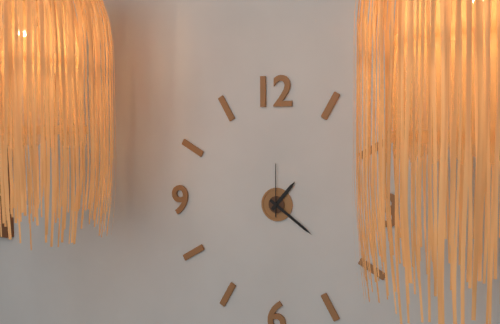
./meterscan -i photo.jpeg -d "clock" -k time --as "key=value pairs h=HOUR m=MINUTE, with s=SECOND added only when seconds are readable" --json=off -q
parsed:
h=1 m=21 s=0
